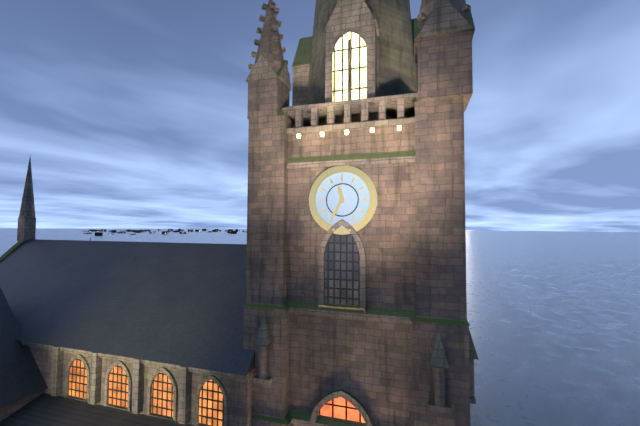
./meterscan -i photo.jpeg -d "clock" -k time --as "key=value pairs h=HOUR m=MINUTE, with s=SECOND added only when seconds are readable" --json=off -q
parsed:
h=11 m=35
